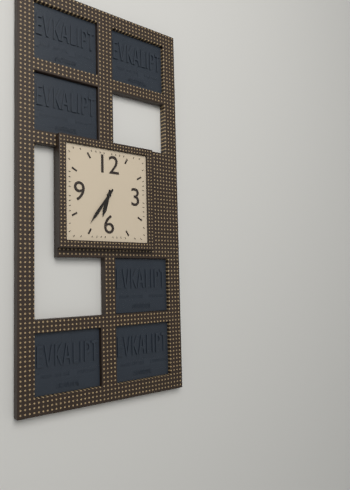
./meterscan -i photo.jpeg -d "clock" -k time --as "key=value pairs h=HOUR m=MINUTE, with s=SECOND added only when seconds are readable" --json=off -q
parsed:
h=6 m=36
